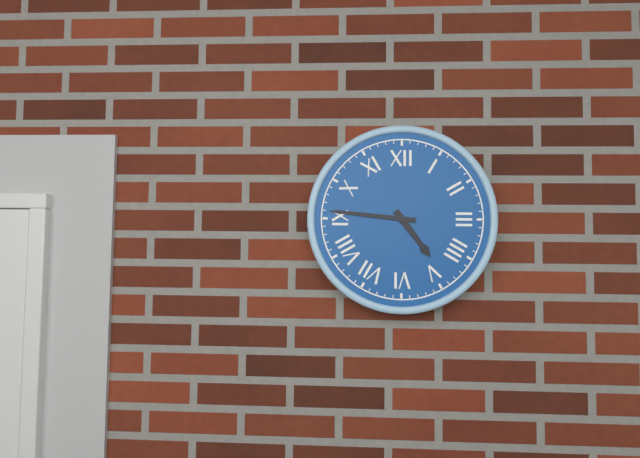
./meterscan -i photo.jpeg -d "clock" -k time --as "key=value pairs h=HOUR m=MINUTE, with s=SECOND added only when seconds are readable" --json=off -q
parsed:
h=4 m=46
